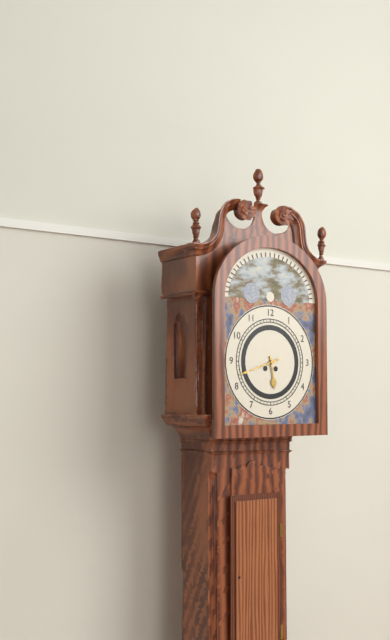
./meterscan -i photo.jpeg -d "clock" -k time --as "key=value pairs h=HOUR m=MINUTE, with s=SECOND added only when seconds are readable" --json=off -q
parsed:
h=5 m=42
